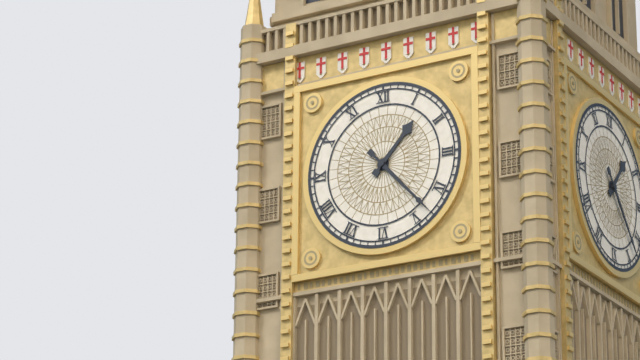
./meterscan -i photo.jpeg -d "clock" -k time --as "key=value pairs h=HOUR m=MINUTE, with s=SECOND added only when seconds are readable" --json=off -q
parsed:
h=1 m=23
